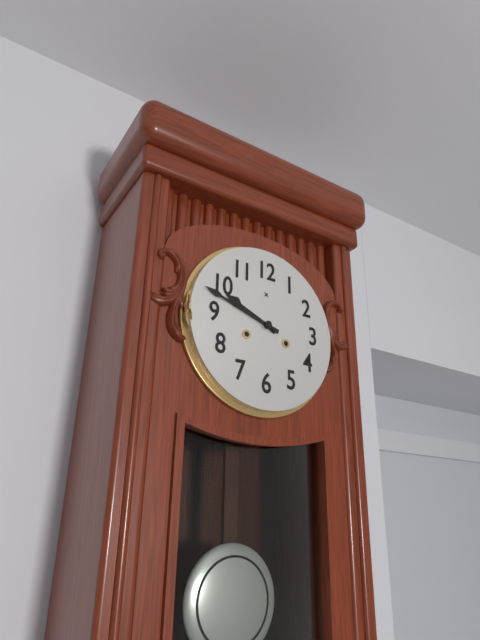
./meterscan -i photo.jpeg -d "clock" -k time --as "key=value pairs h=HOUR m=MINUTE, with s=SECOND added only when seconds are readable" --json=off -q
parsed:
h=9 m=48
